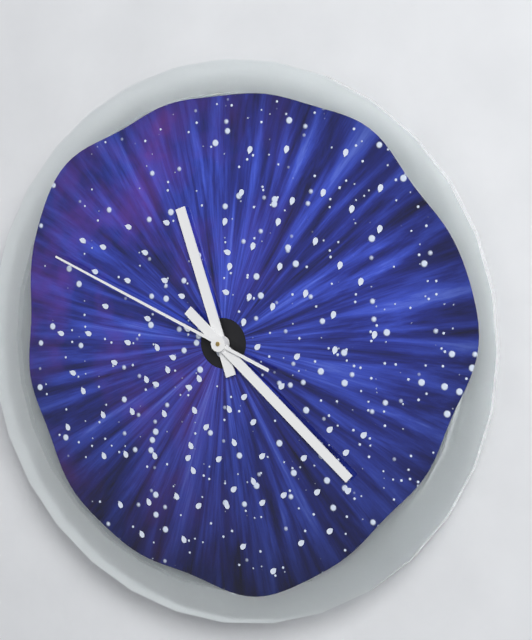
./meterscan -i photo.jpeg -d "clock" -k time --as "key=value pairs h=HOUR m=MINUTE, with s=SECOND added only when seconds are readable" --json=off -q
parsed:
h=11 m=22 s=49
